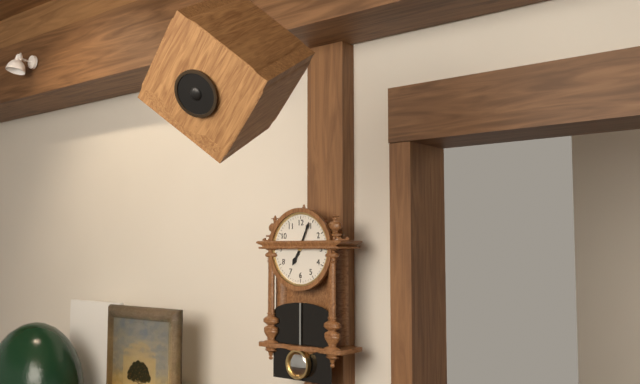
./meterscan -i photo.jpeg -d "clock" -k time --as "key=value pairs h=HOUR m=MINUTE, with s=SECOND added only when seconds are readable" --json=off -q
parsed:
h=7 m=4
